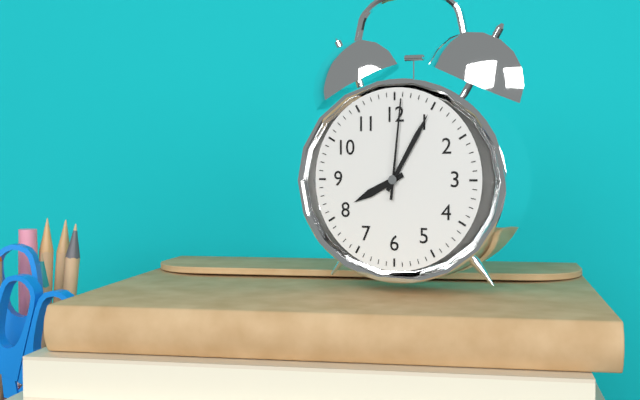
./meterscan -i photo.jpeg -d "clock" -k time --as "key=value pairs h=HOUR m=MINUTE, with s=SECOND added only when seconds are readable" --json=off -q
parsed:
h=8 m=5 s=1
